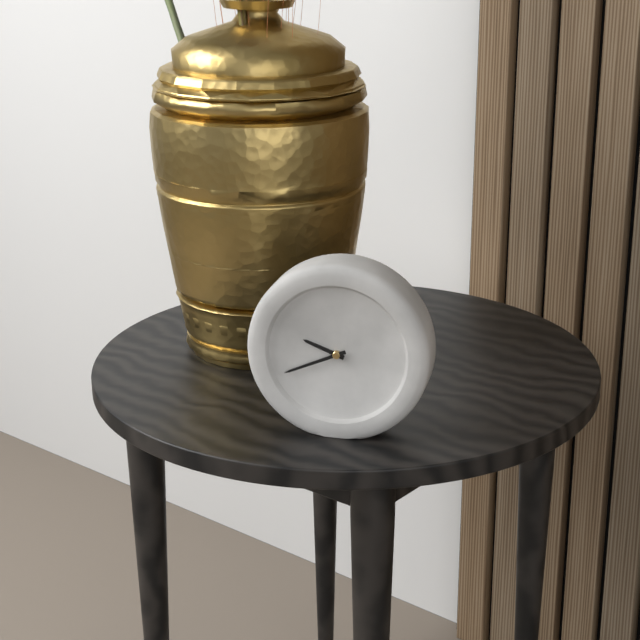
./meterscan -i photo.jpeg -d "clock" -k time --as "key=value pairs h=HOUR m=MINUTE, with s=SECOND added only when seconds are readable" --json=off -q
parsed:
h=9 m=41
